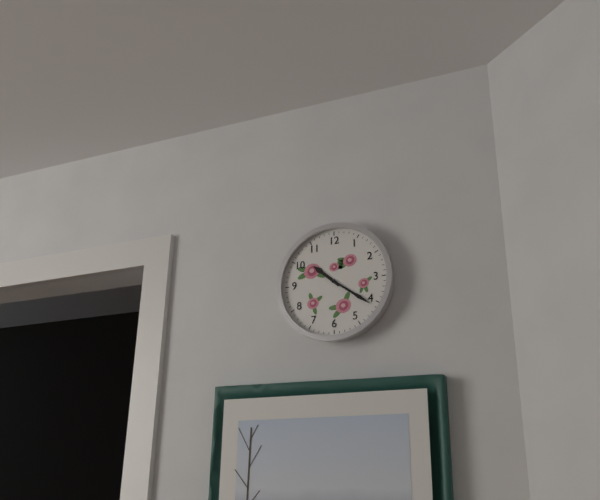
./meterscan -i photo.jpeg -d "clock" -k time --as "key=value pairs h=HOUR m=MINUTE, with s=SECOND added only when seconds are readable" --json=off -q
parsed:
h=10 m=21
